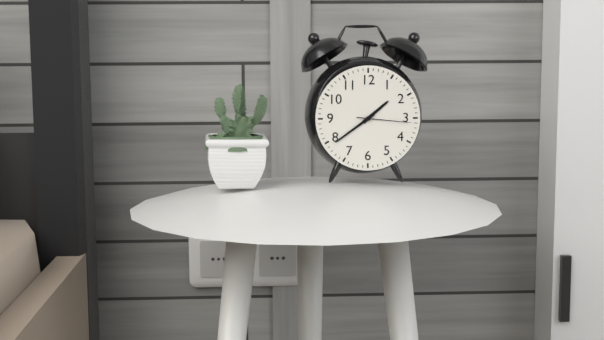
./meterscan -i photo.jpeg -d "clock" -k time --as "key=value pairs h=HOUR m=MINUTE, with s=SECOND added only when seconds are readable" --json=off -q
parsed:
h=1 m=39 s=16
